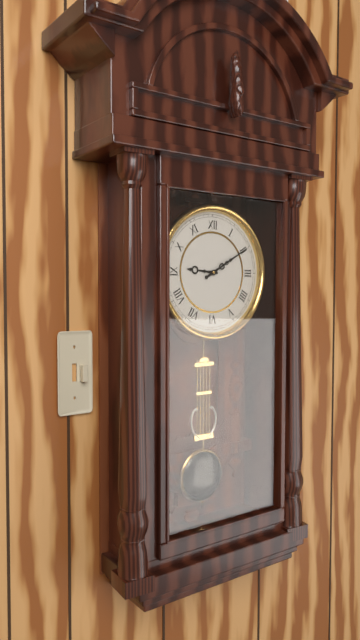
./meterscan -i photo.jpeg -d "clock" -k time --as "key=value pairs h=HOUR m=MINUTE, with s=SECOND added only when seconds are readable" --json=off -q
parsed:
h=9 m=10
